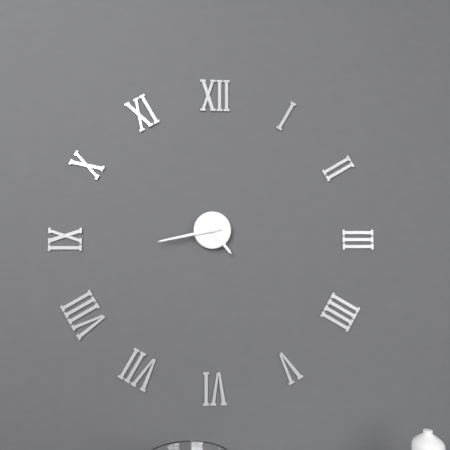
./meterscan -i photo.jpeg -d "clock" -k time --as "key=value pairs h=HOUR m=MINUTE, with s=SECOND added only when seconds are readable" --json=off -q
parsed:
h=4 m=43
